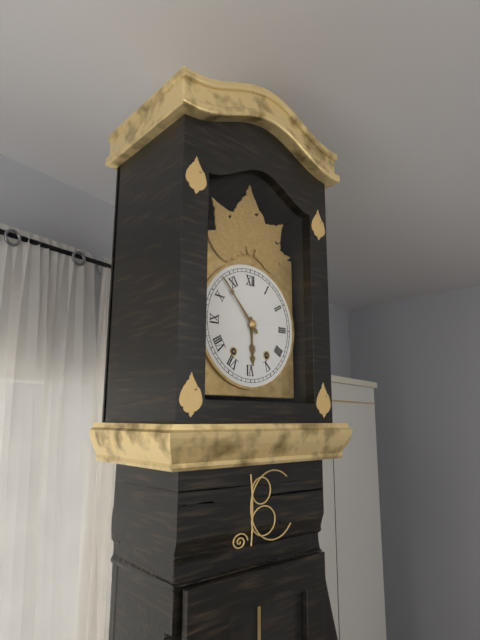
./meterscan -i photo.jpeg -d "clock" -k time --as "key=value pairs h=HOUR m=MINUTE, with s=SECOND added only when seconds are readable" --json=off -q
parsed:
h=5 m=53
